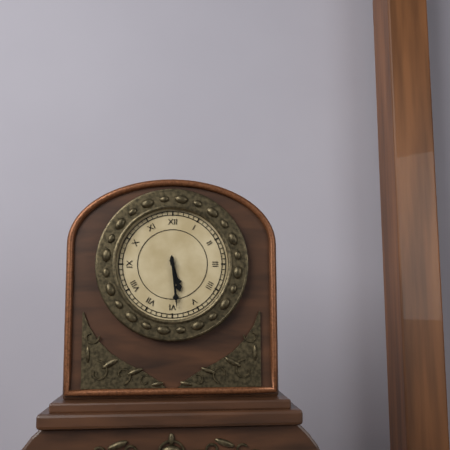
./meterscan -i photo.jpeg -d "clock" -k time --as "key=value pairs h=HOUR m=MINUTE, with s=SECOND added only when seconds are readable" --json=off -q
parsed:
h=5 m=29
